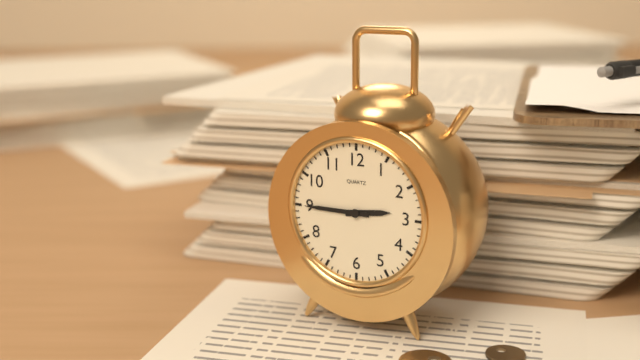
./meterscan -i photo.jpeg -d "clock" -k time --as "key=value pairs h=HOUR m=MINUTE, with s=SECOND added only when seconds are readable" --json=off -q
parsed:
h=2 m=45
